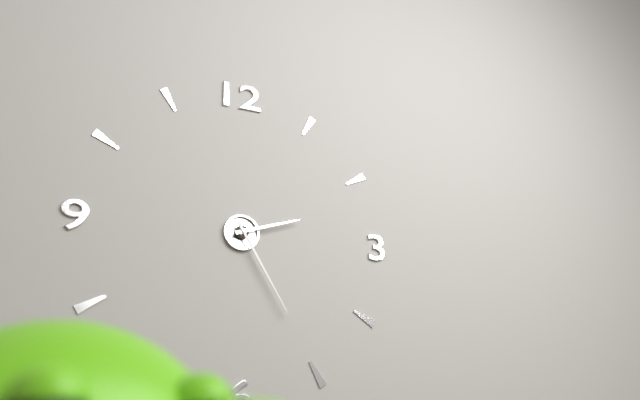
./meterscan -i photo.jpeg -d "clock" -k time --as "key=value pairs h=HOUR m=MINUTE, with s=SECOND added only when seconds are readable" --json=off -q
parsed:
h=2 m=25
